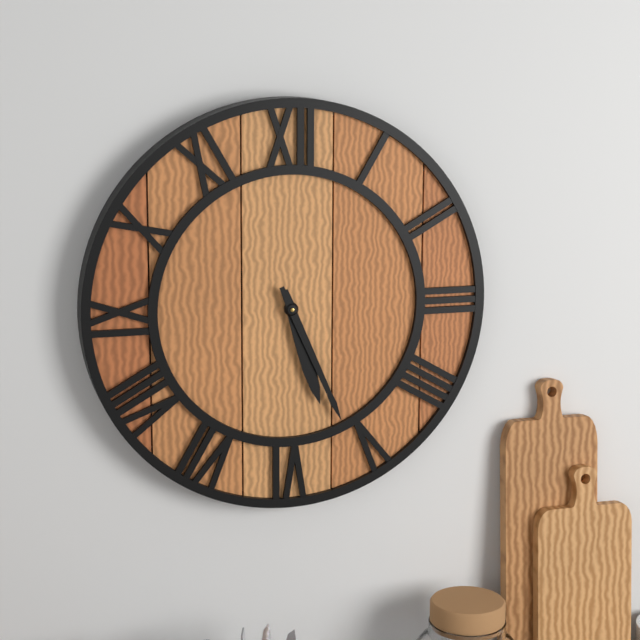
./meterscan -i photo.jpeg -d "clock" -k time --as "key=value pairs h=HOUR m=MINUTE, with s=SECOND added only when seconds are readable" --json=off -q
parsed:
h=5 m=26
